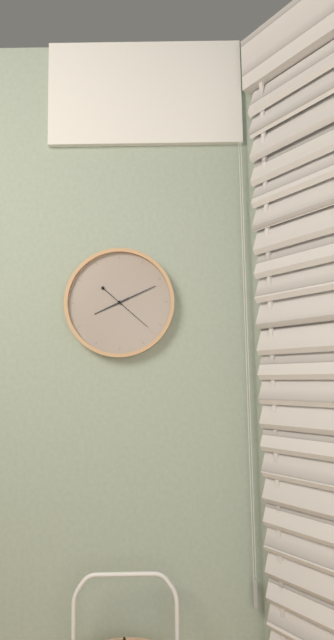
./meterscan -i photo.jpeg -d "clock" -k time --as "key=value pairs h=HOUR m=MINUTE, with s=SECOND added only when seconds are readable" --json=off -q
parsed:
h=8 m=11
